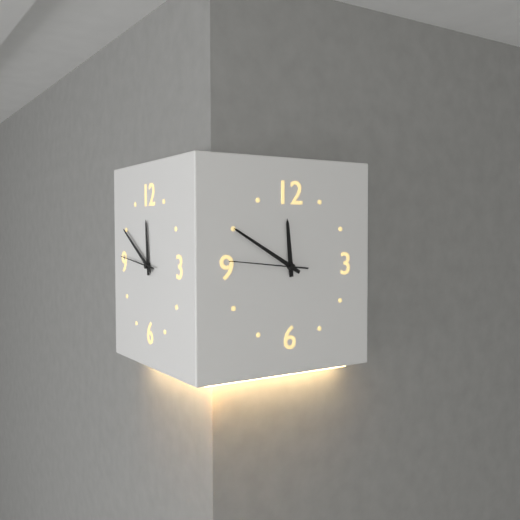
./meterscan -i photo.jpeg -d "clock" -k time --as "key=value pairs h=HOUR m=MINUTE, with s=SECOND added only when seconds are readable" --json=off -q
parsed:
h=11 m=50 s=46
